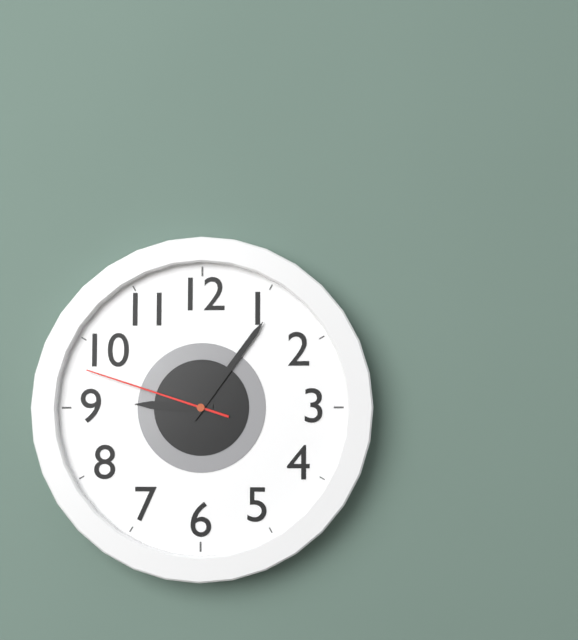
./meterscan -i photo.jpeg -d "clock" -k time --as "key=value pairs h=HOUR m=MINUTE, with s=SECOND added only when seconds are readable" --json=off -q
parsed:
h=9 m=6 s=48
